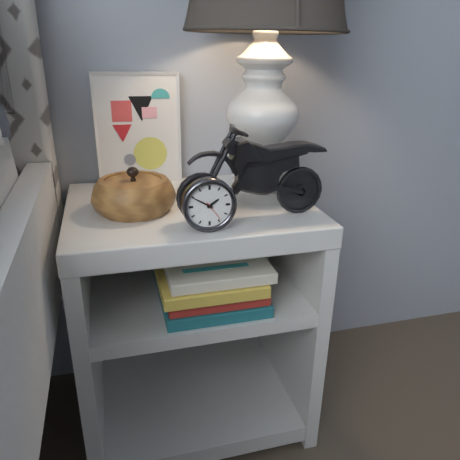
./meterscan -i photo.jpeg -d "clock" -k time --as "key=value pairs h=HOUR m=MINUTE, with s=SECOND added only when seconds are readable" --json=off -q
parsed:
h=1 m=50
